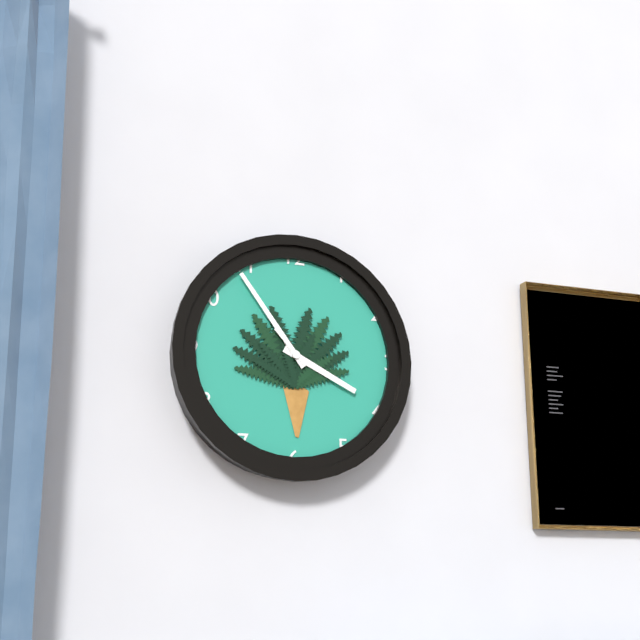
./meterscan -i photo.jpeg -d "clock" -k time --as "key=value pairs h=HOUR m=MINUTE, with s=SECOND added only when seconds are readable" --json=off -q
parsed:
h=3 m=54
